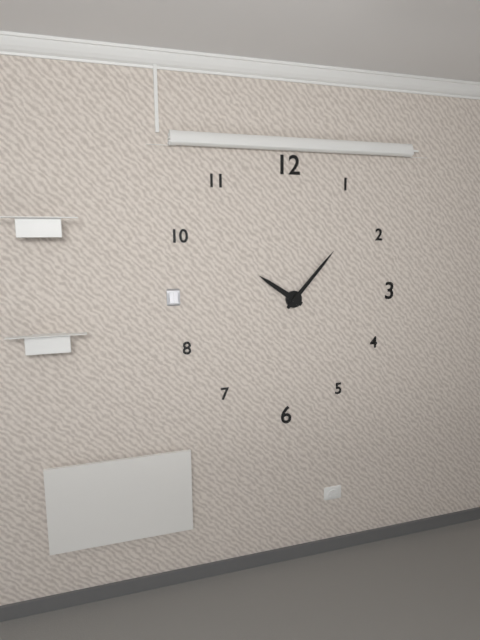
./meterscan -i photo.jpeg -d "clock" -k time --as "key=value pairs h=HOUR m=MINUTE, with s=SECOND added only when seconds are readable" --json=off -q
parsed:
h=10 m=7
